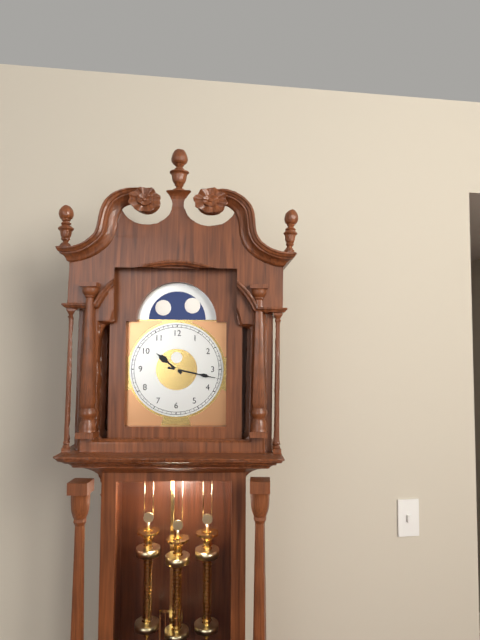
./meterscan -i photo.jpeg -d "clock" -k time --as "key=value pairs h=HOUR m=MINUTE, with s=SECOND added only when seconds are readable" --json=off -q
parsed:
h=10 m=17
